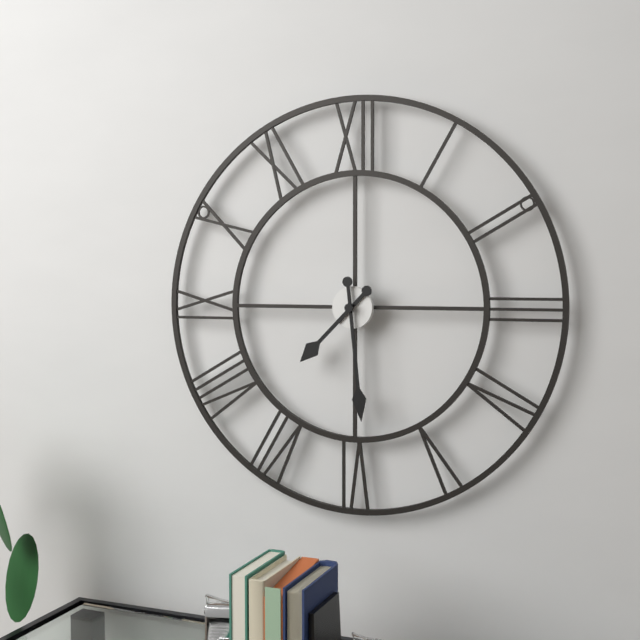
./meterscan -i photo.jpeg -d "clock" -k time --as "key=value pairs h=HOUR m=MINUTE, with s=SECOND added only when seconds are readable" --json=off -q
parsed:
h=7 m=29
